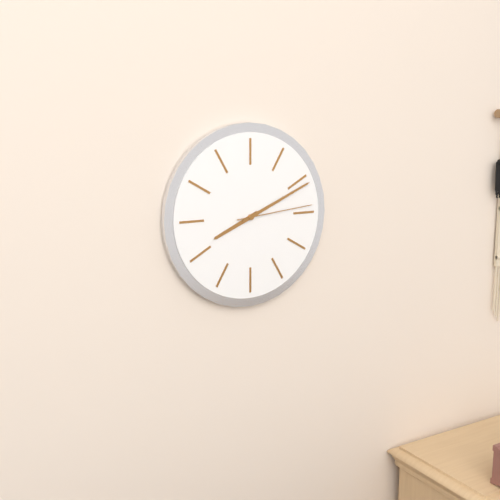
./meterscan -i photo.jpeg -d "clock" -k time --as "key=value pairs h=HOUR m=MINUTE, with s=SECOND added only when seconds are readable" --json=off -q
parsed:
h=8 m=11 s=14
